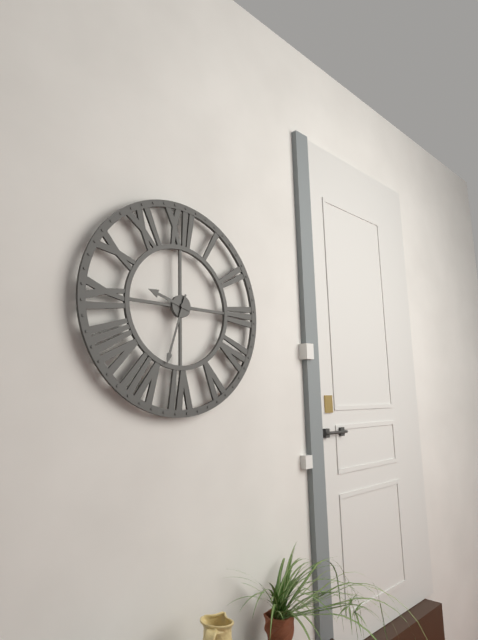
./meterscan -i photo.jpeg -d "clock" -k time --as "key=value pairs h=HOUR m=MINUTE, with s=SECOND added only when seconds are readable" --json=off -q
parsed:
h=9 m=33
